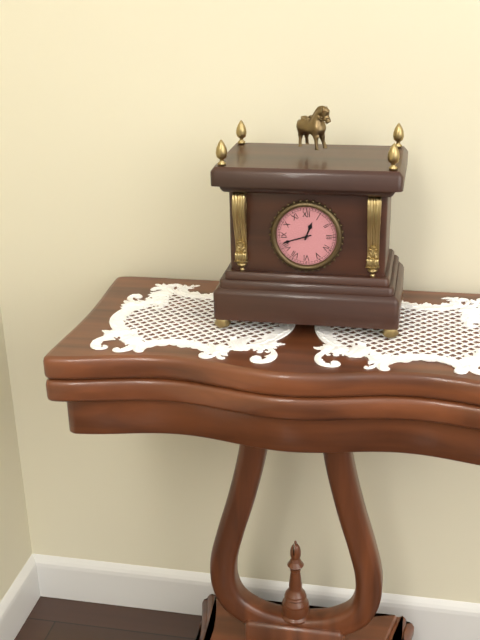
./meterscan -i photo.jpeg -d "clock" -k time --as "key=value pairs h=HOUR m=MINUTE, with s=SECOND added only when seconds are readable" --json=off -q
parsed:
h=12 m=42
